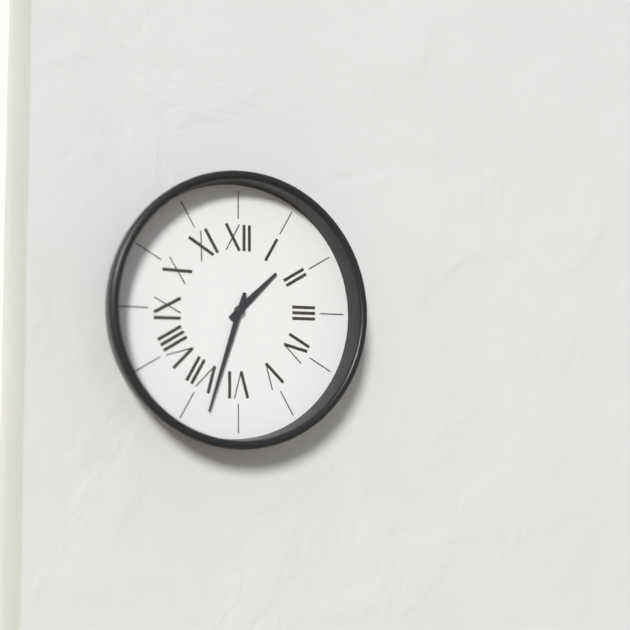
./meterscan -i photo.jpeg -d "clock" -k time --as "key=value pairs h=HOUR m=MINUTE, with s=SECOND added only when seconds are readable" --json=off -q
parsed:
h=1 m=33
